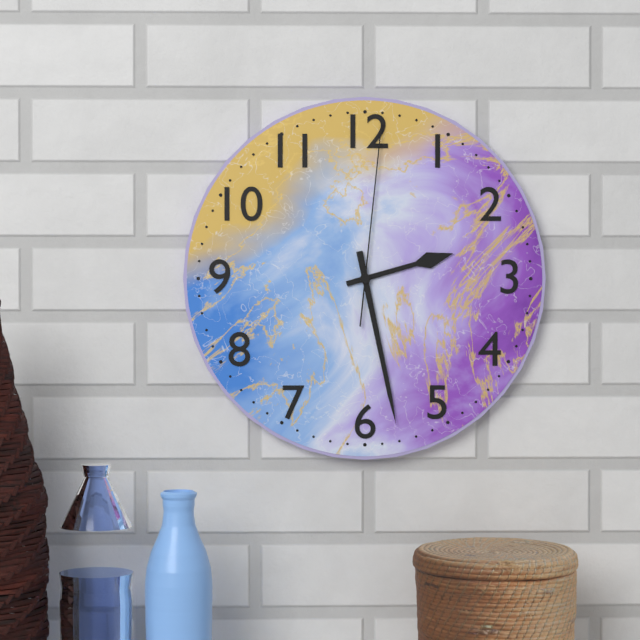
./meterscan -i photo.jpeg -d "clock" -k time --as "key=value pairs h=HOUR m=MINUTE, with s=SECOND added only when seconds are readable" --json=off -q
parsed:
h=2 m=28 s=1
